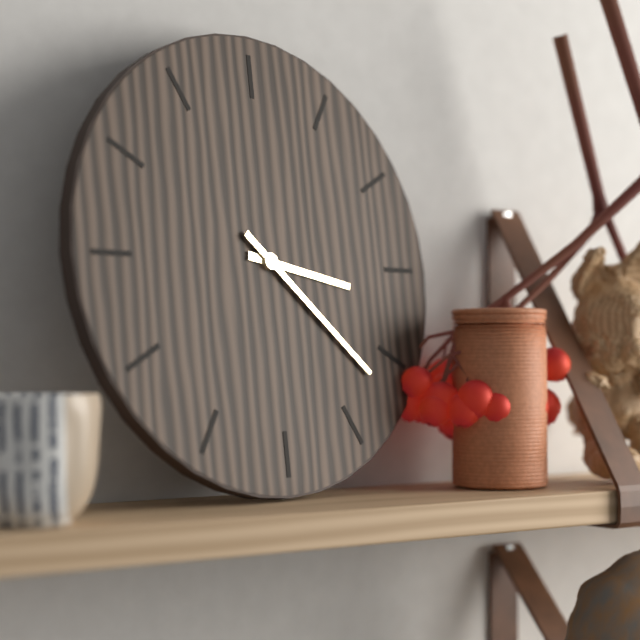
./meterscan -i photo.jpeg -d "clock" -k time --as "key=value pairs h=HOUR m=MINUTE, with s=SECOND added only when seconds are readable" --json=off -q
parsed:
h=3 m=22
